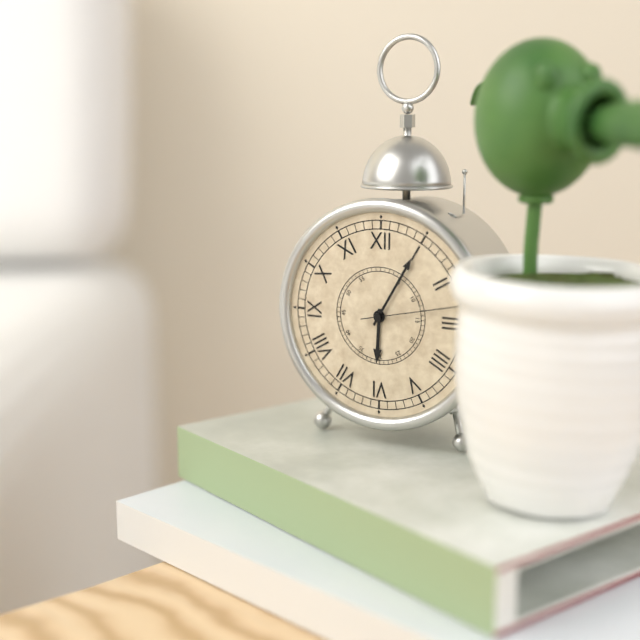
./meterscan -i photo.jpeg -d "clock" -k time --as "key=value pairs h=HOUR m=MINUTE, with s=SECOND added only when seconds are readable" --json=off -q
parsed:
h=6 m=5 s=13
